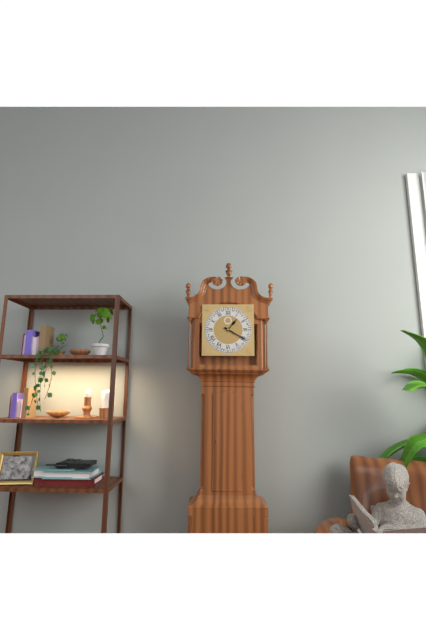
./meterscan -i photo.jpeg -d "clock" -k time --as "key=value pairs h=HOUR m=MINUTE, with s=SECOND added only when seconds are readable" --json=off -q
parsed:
h=1 m=20
